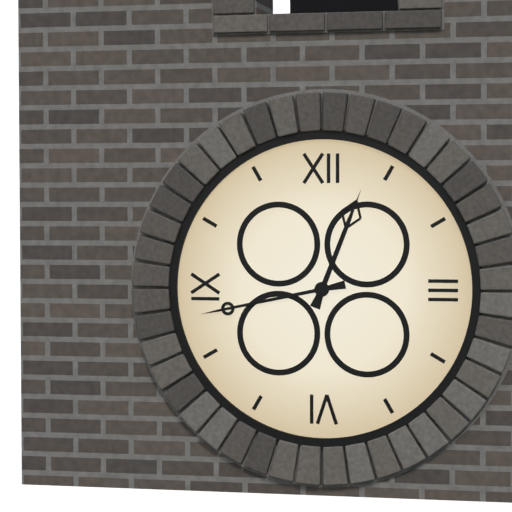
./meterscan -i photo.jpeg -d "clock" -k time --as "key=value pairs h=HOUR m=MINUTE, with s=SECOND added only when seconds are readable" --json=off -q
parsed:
h=12 m=43
